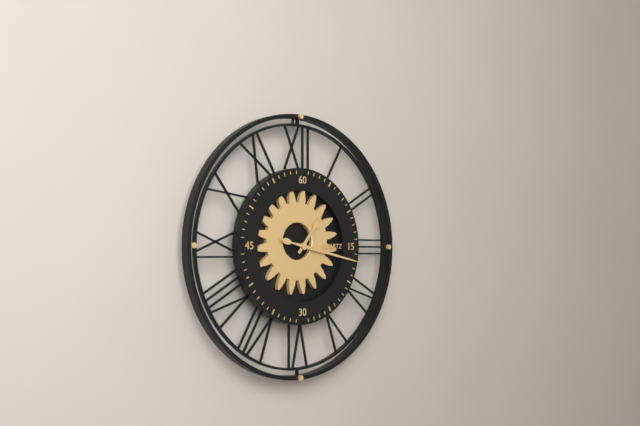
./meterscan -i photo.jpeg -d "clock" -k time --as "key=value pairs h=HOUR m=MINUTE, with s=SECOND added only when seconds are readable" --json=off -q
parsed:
h=1 m=17
